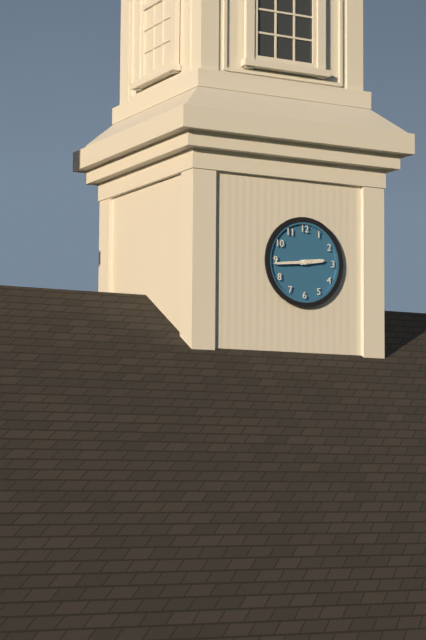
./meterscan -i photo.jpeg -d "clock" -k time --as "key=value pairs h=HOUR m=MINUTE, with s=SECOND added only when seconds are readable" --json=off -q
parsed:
h=2 m=44
